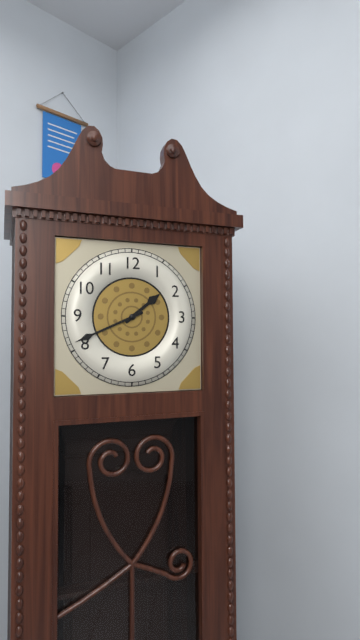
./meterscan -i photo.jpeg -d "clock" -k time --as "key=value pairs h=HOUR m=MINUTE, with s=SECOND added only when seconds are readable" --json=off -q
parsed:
h=1 m=41
